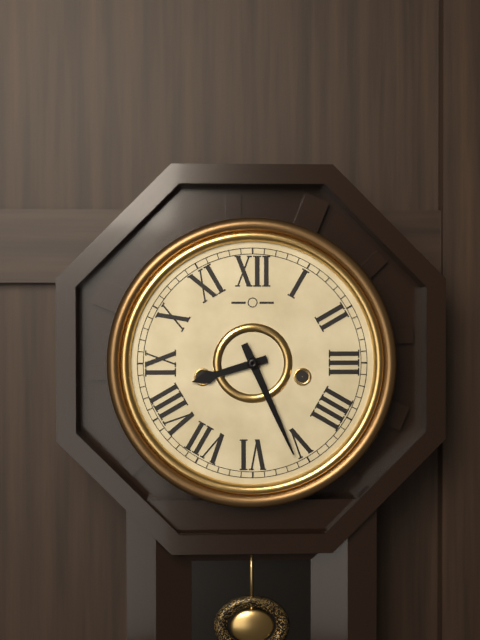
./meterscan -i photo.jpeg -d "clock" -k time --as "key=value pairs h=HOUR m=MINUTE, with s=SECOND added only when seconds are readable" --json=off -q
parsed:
h=8 m=26
